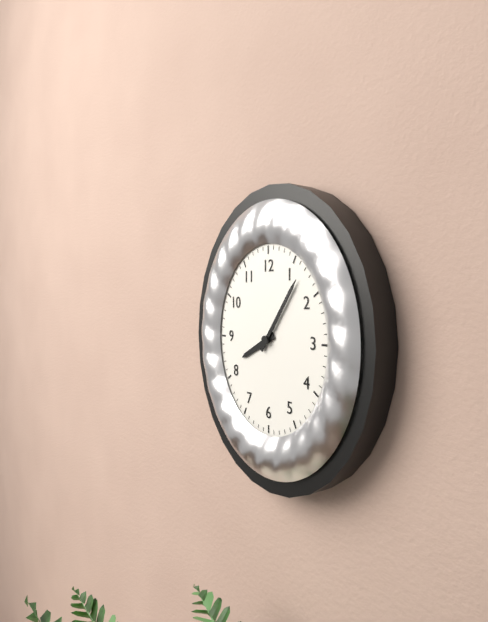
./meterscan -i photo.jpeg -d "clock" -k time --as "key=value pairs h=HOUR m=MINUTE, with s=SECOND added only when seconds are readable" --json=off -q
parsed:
h=8 m=6
